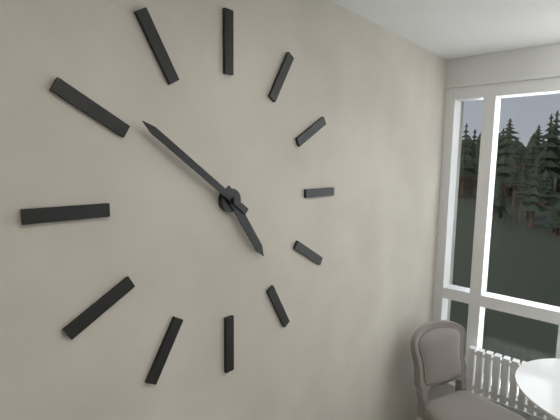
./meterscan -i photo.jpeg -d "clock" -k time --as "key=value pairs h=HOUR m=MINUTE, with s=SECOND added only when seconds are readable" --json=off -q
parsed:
h=4 m=51
